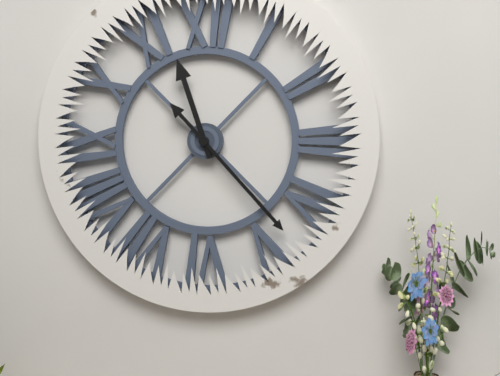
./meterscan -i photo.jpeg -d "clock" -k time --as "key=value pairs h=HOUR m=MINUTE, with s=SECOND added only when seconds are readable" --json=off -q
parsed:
h=11 m=23
